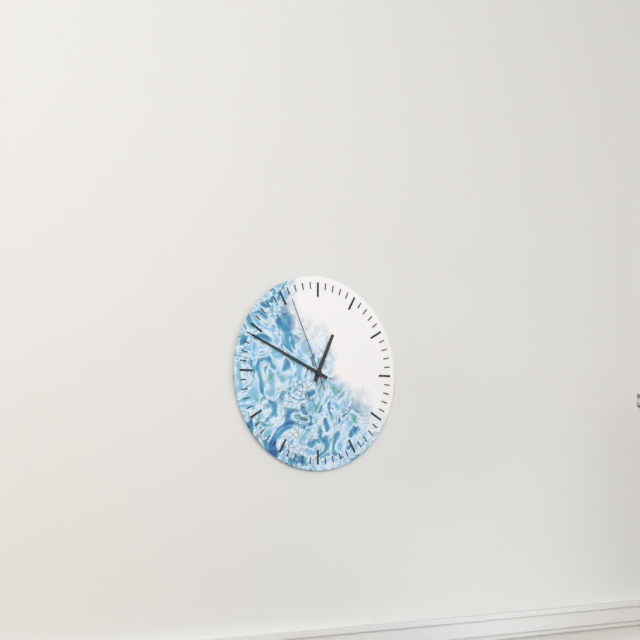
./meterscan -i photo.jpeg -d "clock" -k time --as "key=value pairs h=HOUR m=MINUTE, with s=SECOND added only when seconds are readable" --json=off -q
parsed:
h=12 m=49 s=56
